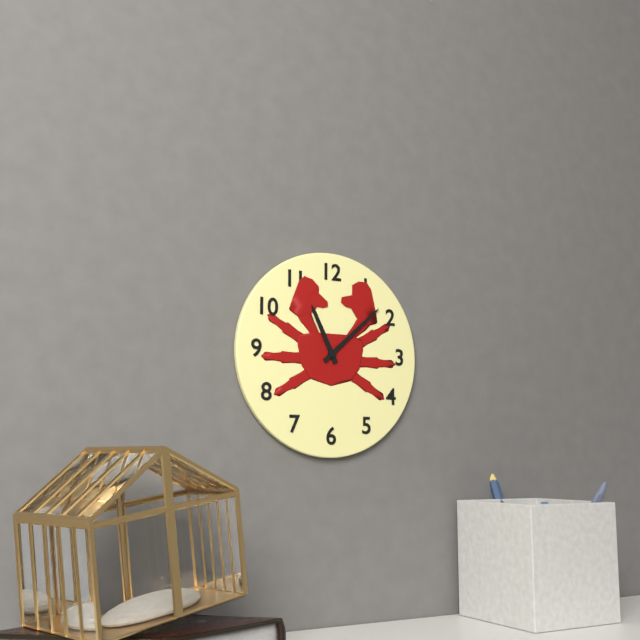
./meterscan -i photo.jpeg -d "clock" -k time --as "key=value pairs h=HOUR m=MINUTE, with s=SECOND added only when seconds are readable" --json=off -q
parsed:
h=11 m=8
